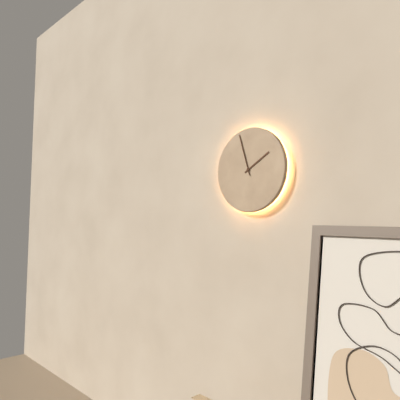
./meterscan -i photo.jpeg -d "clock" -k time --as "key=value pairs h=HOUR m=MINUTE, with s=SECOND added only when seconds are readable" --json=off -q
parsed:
h=1 m=57
